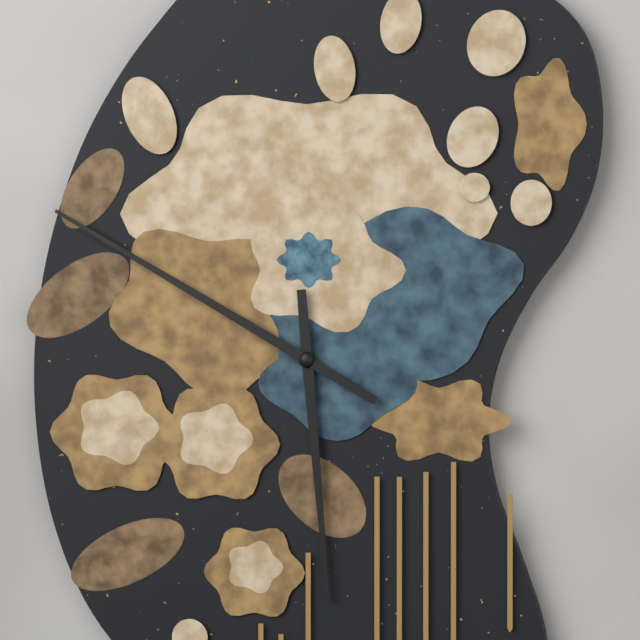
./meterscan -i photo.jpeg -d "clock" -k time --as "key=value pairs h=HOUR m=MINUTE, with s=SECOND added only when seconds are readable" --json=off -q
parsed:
h=5 m=50
